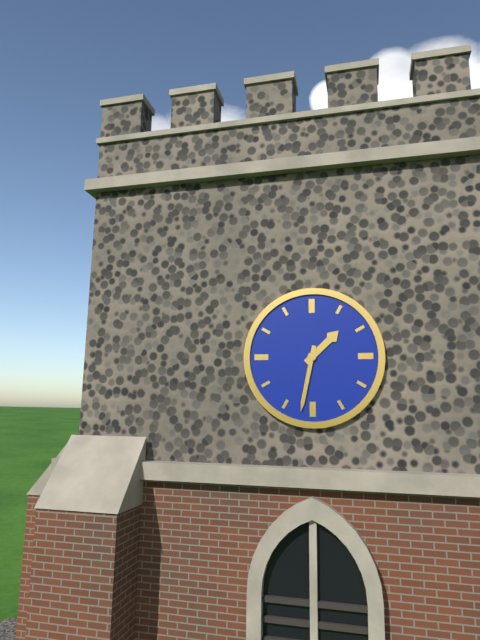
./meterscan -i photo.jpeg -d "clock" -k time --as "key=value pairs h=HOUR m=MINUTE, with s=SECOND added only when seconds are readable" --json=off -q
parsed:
h=1 m=32
